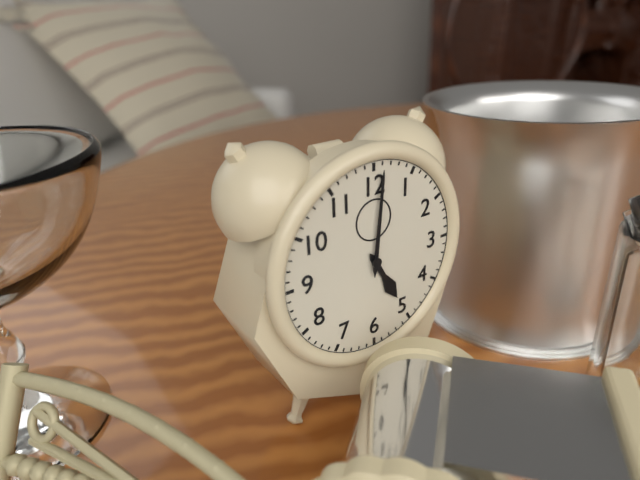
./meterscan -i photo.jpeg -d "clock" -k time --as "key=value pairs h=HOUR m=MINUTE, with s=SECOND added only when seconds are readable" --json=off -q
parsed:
h=5 m=1
